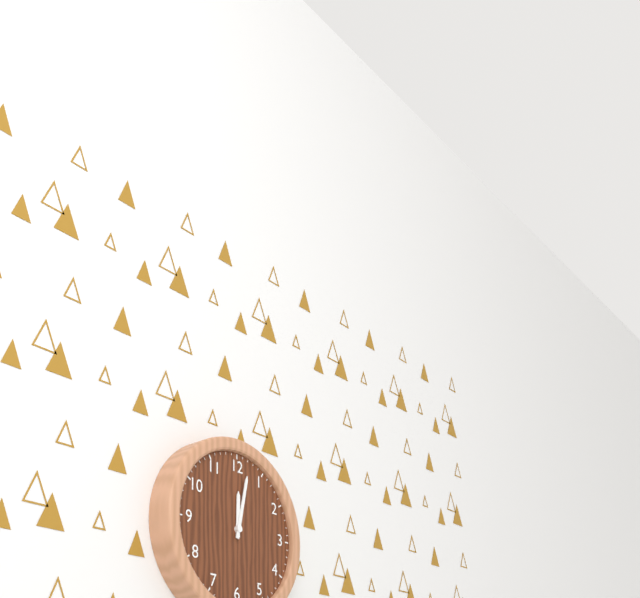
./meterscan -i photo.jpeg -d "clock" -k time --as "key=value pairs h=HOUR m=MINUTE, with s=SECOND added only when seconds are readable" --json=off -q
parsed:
h=12 m=2
